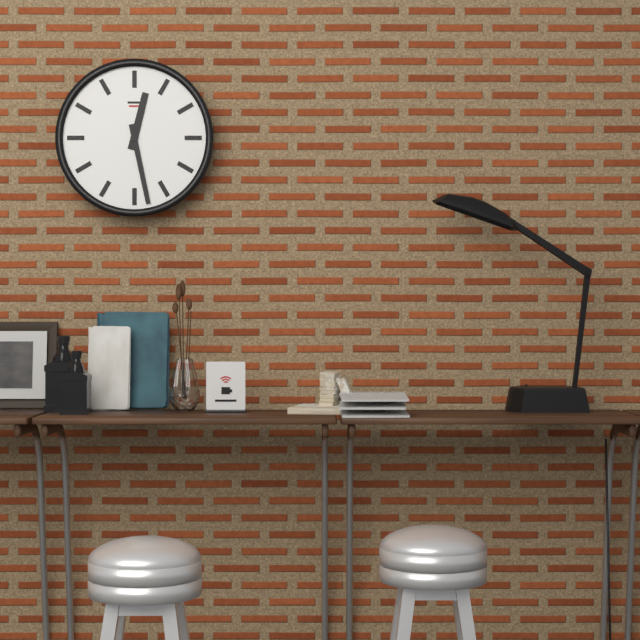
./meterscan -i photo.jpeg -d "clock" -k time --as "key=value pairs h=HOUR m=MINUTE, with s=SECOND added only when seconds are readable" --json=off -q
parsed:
h=12 m=28
